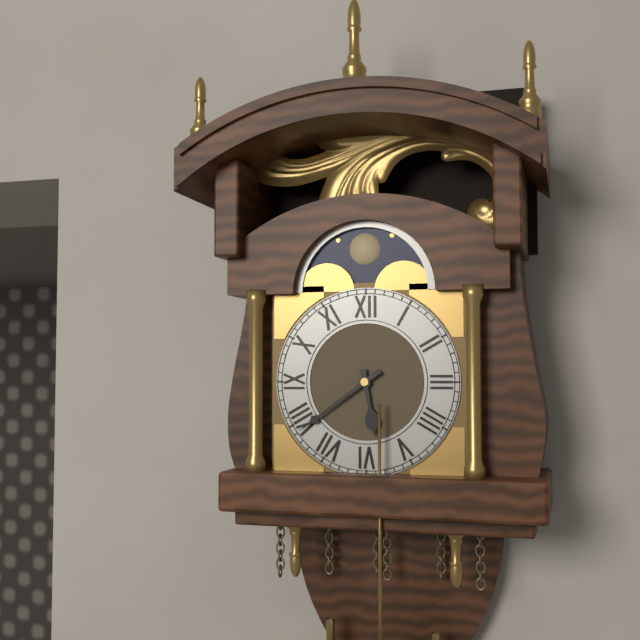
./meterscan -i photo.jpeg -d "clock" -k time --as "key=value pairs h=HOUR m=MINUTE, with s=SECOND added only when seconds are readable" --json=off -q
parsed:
h=5 m=39
